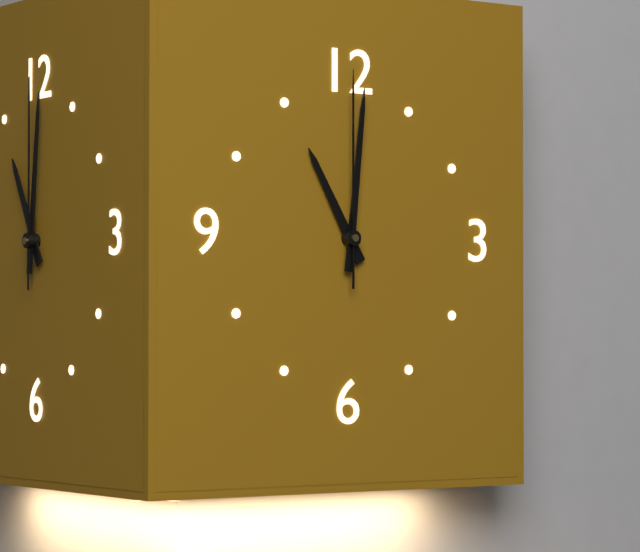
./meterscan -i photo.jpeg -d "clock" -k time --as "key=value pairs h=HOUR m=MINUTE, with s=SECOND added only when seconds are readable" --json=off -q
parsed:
h=11 m=1 s=0
